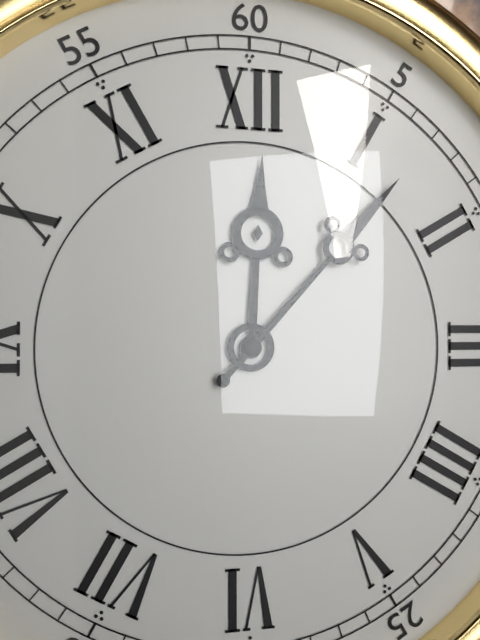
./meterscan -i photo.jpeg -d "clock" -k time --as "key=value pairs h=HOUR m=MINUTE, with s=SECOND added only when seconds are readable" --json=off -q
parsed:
h=12 m=7
